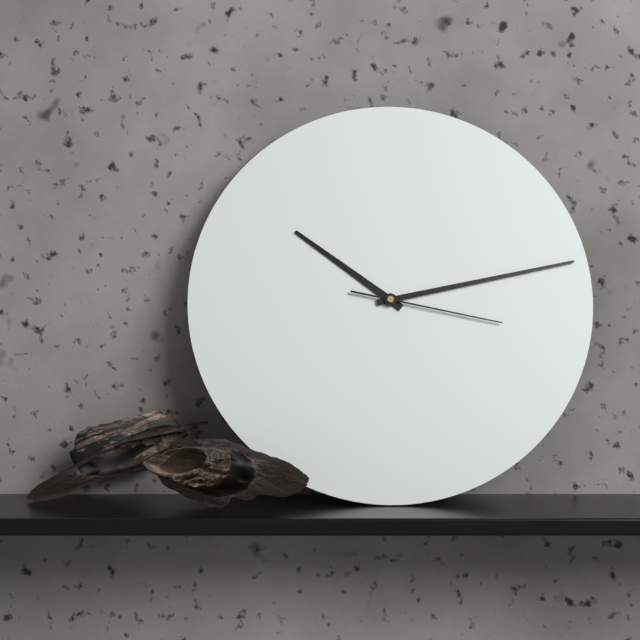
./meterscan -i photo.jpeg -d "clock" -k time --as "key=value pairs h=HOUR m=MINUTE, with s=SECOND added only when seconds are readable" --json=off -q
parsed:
h=10 m=13 s=17
